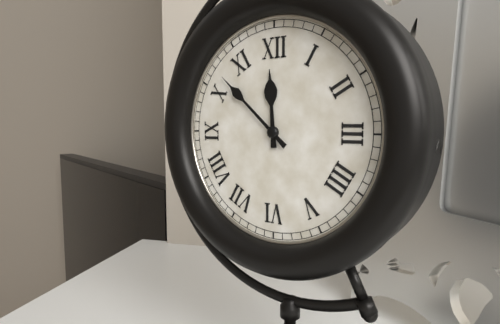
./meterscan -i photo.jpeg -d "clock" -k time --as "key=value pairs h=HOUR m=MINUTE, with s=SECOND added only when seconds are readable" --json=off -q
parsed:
h=11 m=52
